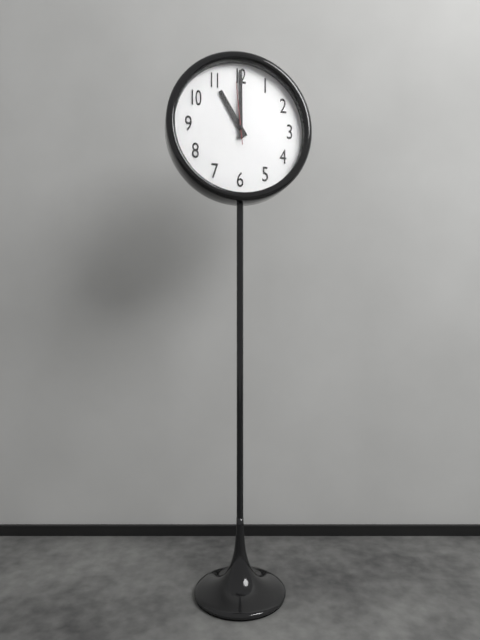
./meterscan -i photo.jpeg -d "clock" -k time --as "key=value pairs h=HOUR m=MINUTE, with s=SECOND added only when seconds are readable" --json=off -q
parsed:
h=11 m=0 s=59
